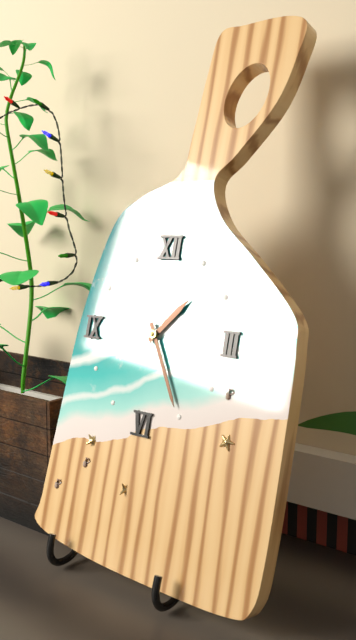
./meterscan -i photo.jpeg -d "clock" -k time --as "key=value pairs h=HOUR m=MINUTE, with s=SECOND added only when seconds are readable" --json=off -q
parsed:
h=1 m=25
